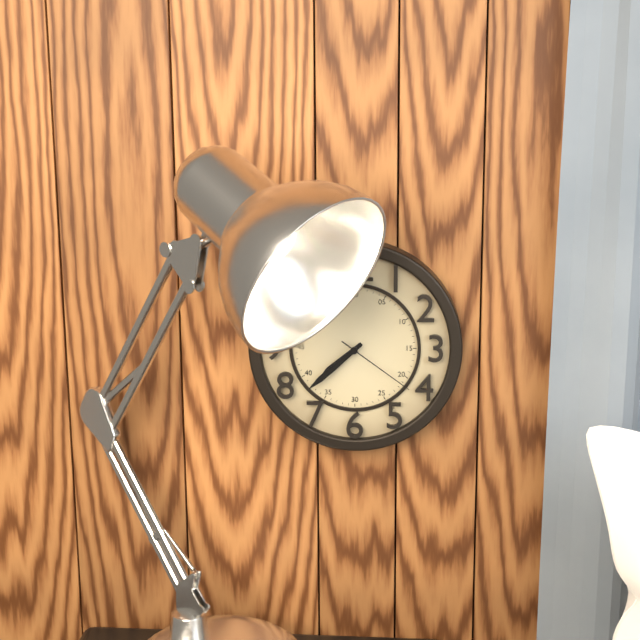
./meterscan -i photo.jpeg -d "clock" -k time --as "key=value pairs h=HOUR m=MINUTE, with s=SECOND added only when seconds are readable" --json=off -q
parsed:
h=7 m=38 s=21
